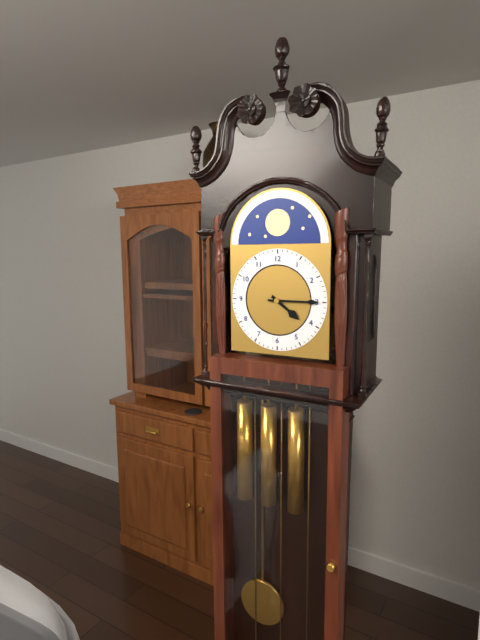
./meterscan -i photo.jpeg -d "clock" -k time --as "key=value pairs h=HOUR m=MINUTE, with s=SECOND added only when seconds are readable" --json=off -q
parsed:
h=4 m=15
